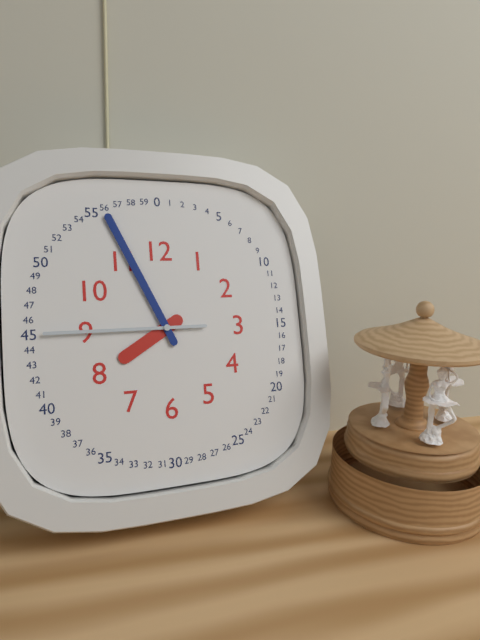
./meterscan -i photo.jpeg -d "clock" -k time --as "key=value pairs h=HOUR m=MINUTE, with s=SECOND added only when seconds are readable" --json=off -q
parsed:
h=7 m=56 s=45
